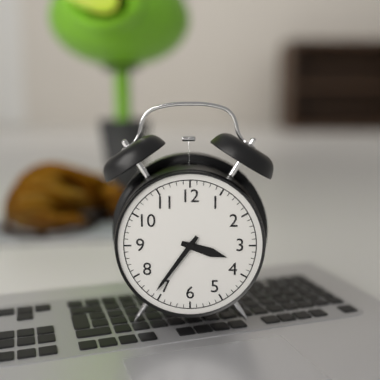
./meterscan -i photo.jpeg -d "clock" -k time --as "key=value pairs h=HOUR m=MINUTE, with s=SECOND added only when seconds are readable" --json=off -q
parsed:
h=3 m=36
